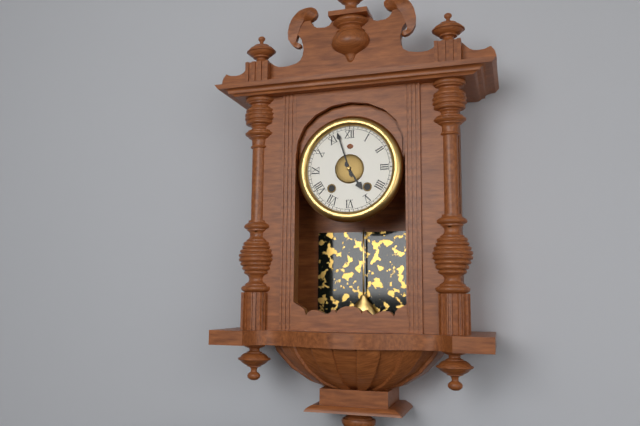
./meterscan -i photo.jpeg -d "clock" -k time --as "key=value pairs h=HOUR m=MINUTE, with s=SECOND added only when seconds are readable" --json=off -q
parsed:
h=4 m=57
